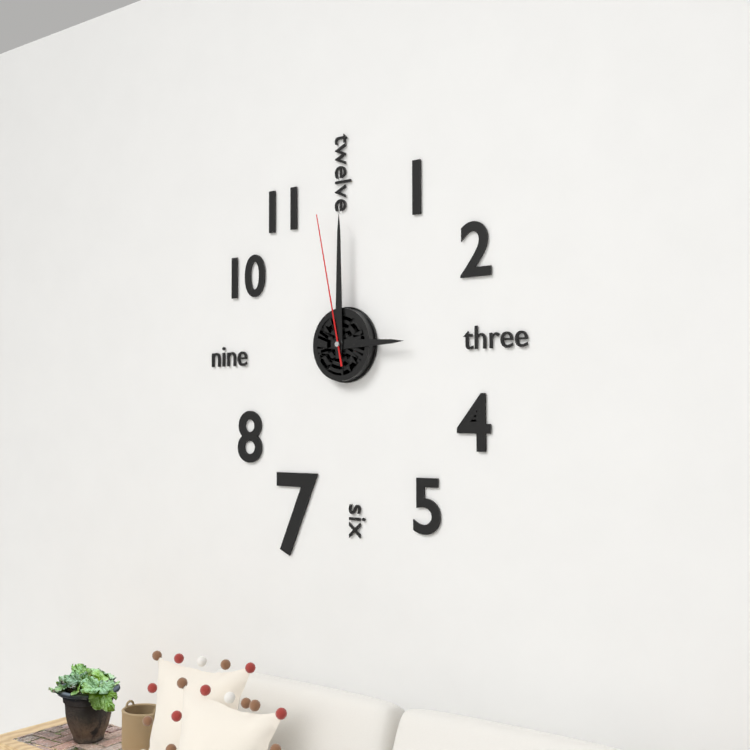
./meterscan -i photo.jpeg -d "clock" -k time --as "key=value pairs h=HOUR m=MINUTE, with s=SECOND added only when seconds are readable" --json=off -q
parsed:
h=3 m=0 s=58
